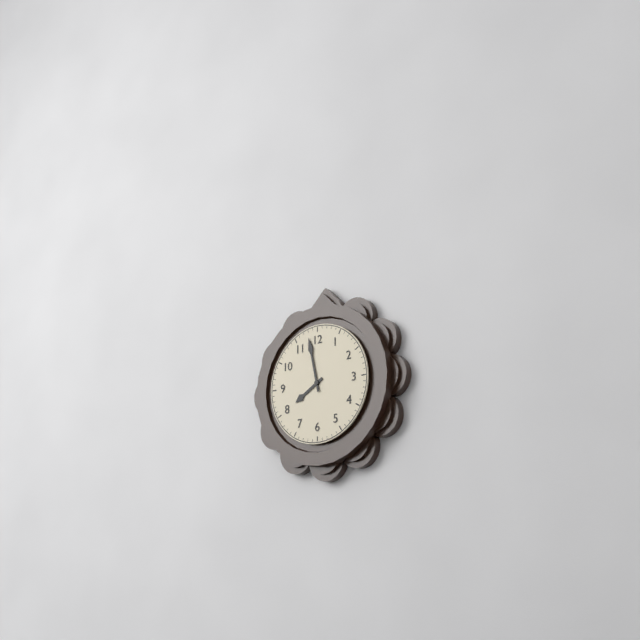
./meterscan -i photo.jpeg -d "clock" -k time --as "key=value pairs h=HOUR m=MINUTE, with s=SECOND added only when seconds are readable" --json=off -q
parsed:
h=7 m=58
